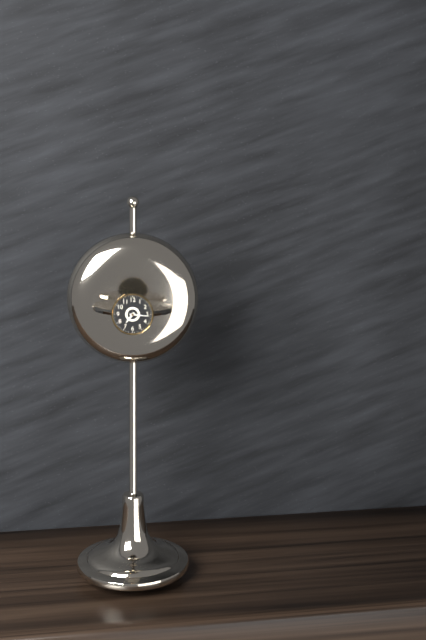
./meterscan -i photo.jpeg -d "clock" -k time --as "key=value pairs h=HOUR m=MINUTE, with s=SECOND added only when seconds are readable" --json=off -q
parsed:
h=7 m=16
